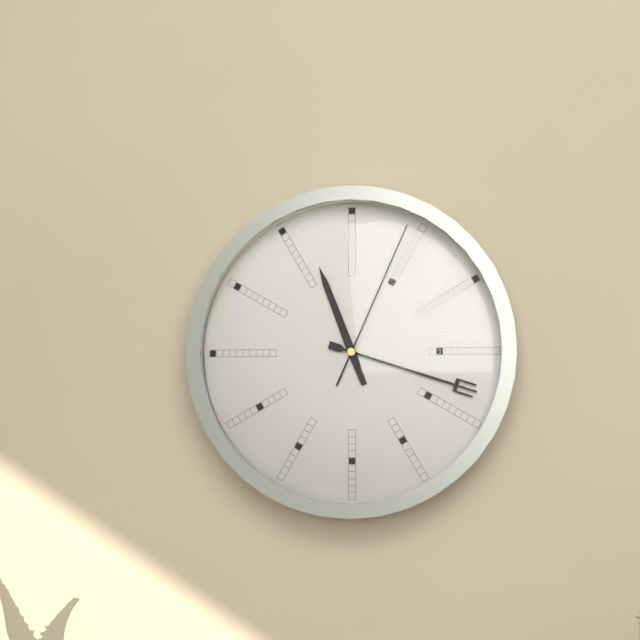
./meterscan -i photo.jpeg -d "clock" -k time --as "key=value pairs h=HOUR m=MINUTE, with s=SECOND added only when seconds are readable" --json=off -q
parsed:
h=11 m=18 s=4
